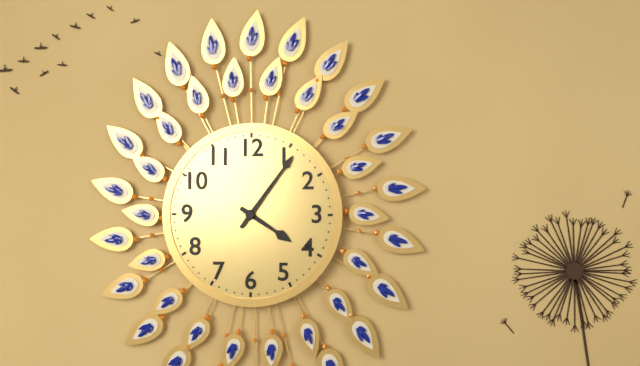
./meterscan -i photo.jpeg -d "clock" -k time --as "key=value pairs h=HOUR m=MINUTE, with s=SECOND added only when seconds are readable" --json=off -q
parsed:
h=4 m=6
